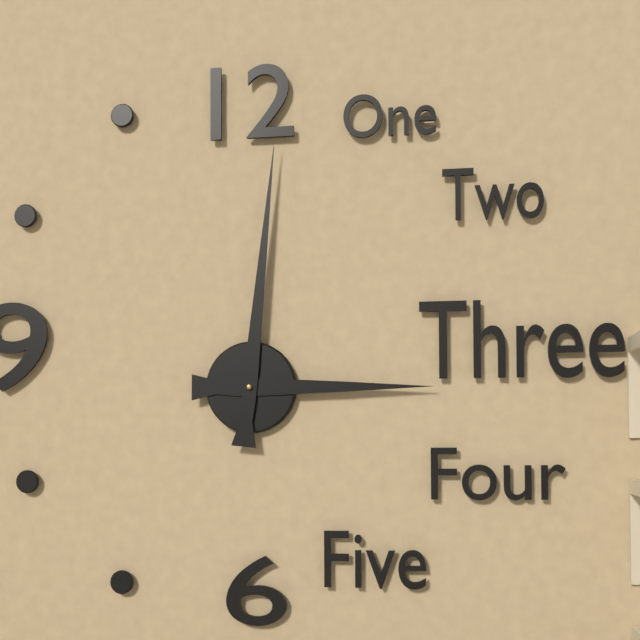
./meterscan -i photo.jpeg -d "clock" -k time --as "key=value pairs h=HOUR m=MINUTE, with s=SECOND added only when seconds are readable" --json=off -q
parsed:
h=3 m=1
